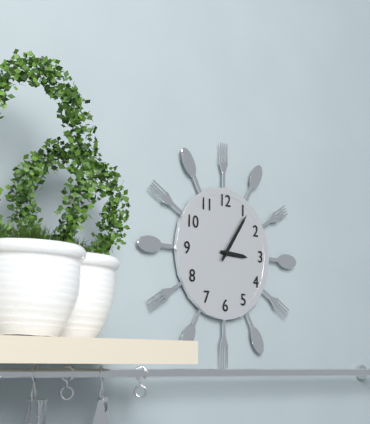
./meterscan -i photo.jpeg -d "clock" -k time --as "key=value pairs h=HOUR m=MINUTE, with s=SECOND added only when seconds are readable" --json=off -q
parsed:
h=3 m=6
